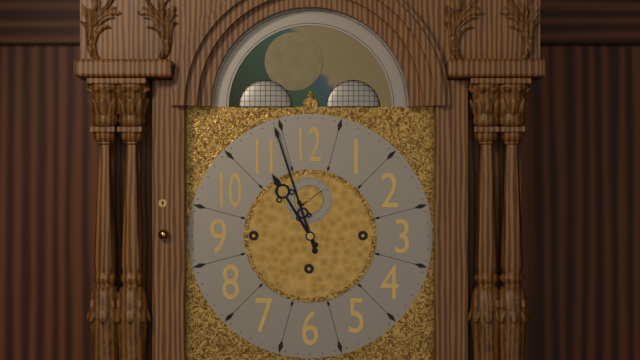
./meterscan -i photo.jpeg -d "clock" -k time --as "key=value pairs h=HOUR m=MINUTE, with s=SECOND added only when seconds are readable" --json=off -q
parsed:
h=10 m=57
